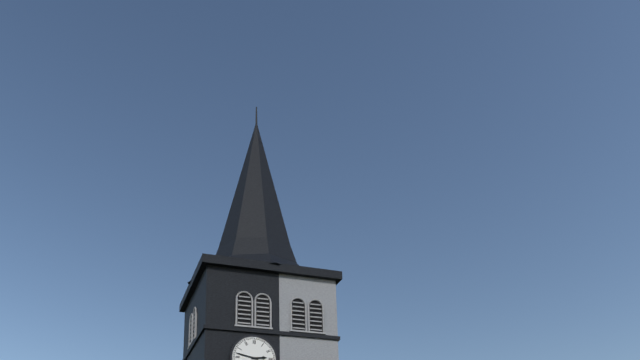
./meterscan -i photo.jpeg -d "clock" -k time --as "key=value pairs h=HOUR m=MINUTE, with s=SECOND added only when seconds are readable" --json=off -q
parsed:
h=2 m=47
